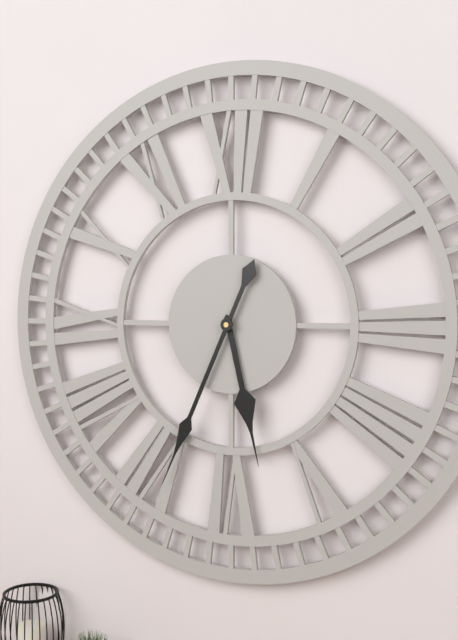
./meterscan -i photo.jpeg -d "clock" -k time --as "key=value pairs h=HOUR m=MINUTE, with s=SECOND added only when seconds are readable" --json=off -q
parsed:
h=5 m=34
